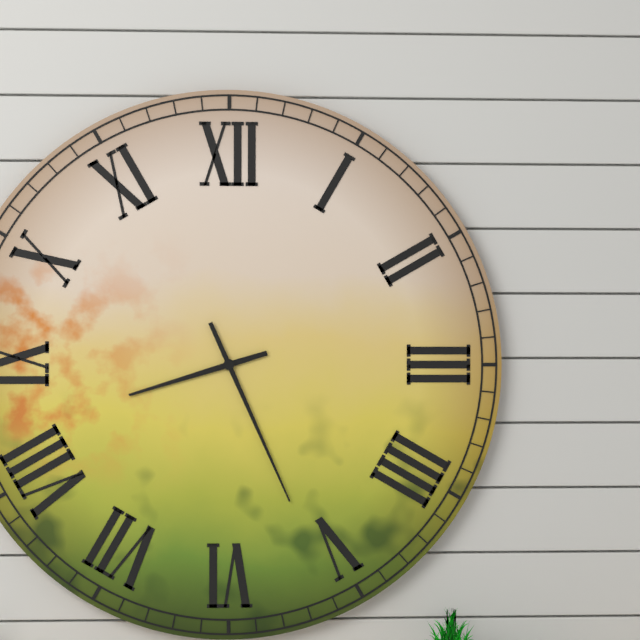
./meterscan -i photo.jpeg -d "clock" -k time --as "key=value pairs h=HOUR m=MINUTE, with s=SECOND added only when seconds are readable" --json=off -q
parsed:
h=8 m=26
